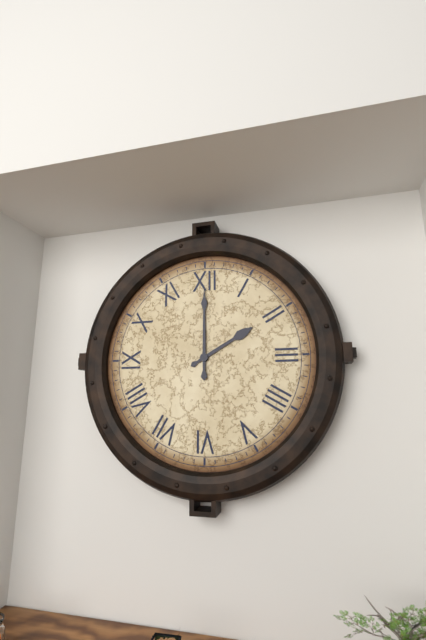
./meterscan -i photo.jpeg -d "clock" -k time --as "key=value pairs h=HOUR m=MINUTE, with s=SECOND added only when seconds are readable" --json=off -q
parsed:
h=2 m=0
